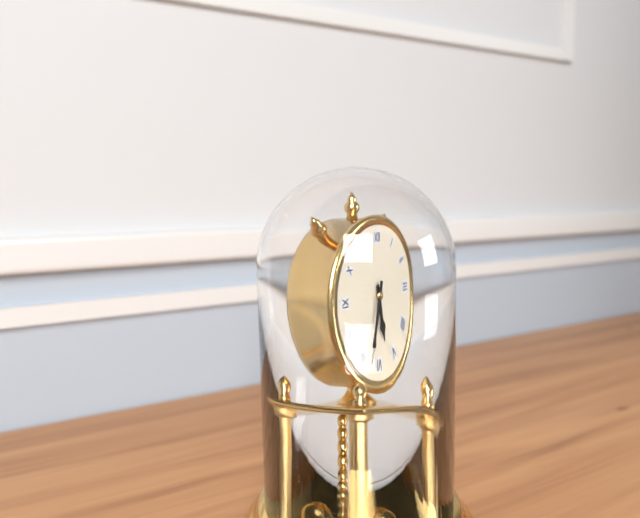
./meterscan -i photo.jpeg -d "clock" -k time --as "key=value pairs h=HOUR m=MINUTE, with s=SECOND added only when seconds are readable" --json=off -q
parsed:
h=5 m=33
